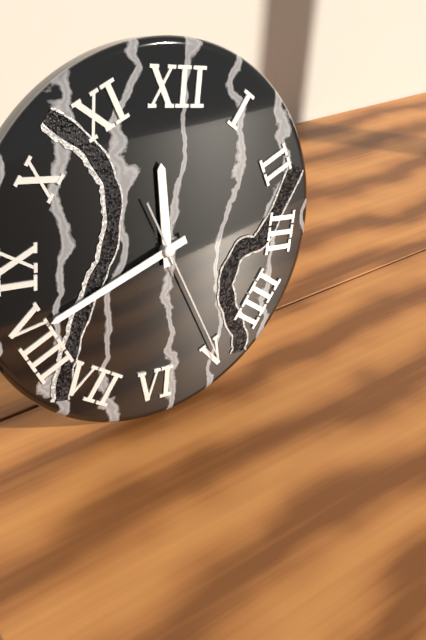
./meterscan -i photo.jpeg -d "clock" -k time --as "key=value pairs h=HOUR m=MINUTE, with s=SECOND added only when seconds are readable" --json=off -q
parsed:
h=11 m=41 s=25
